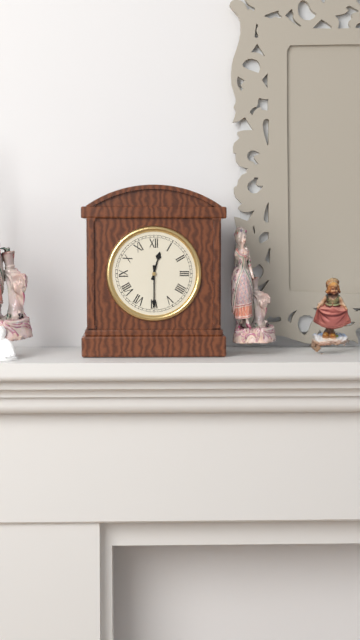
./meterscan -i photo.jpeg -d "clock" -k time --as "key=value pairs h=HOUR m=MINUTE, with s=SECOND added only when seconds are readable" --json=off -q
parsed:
h=12 m=30
